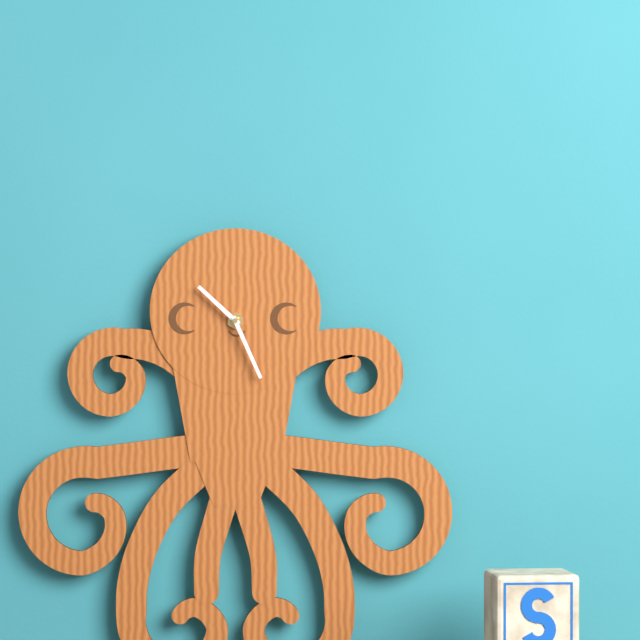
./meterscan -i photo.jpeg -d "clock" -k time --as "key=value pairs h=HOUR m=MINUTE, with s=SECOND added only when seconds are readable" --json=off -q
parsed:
h=10 m=26
